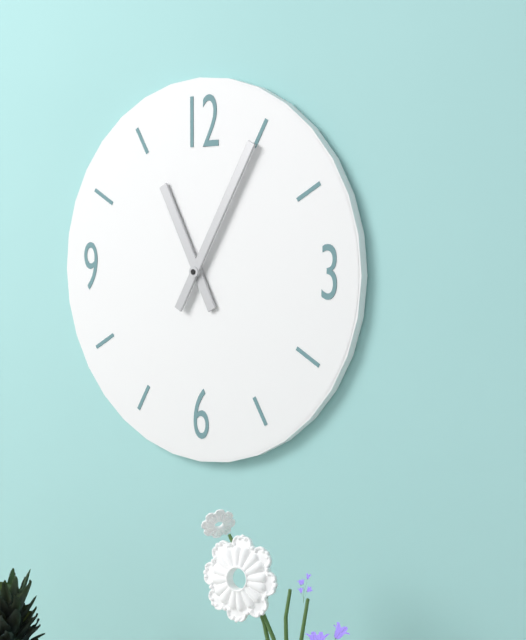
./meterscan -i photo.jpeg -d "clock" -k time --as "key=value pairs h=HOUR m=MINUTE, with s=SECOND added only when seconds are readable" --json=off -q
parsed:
h=11 m=5
